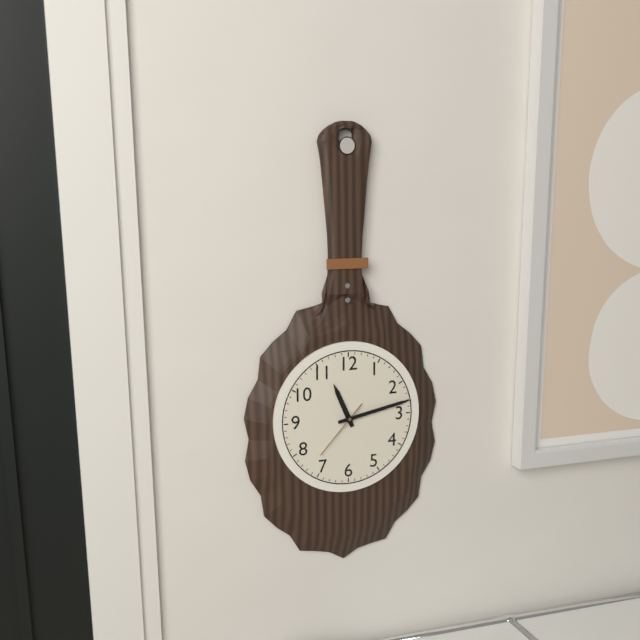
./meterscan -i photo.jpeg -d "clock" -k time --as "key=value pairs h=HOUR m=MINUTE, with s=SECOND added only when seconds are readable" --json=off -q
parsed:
h=11 m=13 s=37
